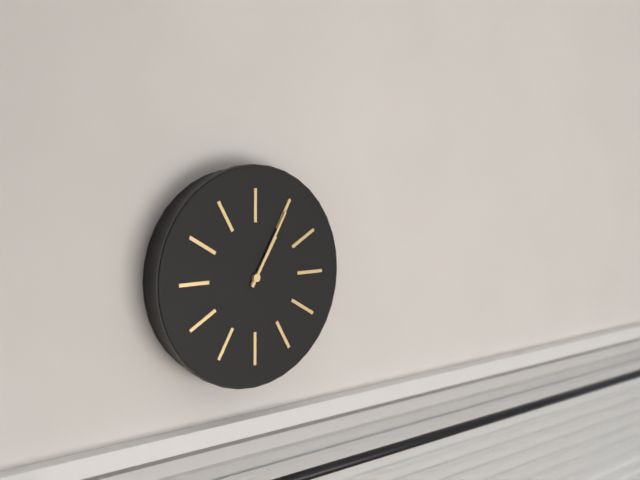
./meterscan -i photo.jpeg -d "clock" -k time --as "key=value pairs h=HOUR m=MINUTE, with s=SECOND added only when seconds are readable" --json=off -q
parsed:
h=1 m=5
